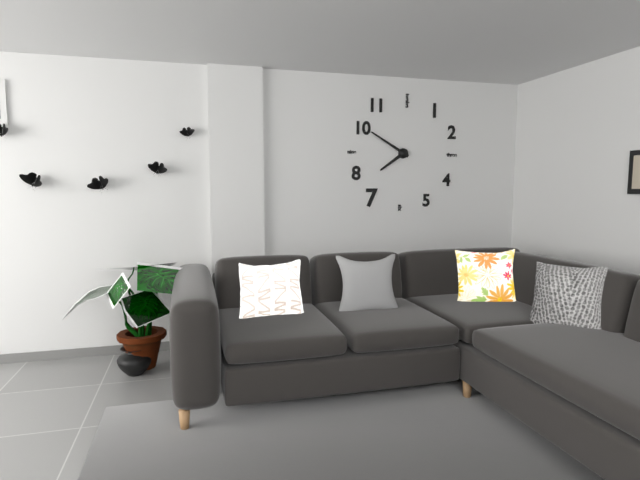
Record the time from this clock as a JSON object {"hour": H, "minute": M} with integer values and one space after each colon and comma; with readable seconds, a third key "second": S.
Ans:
{"hour": 7, "minute": 50}
